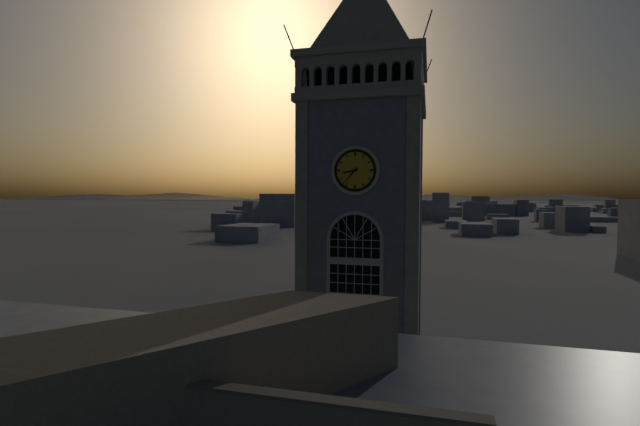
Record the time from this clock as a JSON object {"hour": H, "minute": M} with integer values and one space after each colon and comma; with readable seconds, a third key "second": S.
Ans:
{"hour": 8, "minute": 37}
